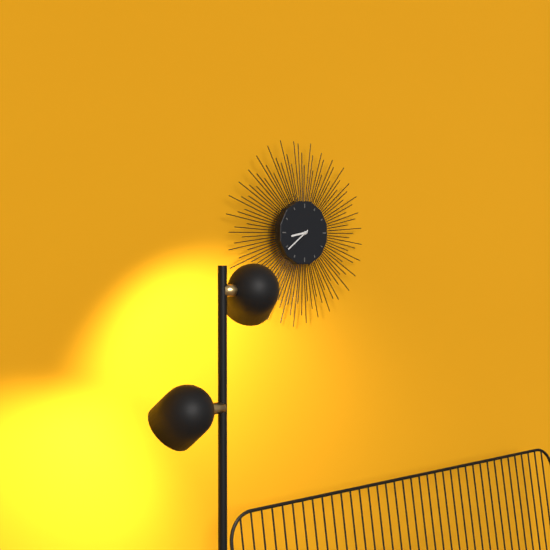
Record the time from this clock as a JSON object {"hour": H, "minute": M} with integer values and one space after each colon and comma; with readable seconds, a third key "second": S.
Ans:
{"hour": 8, "minute": 39}
